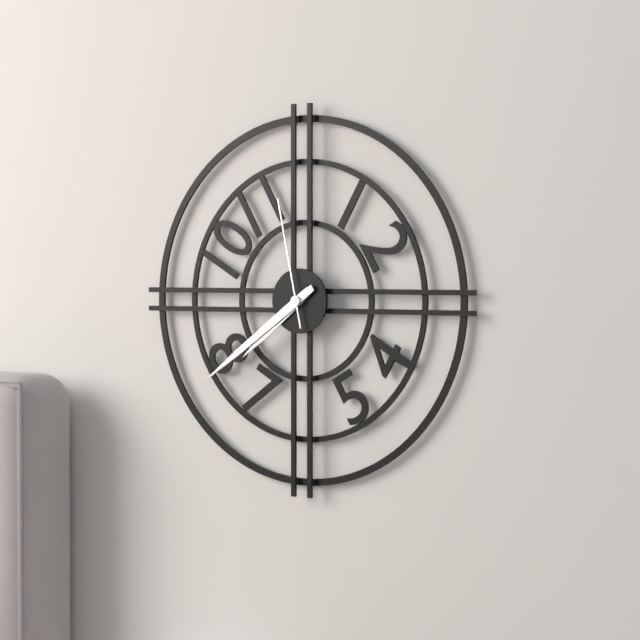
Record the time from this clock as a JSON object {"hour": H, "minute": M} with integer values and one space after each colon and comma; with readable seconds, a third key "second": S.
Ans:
{"hour": 7, "minute": 39, "second": 58}
